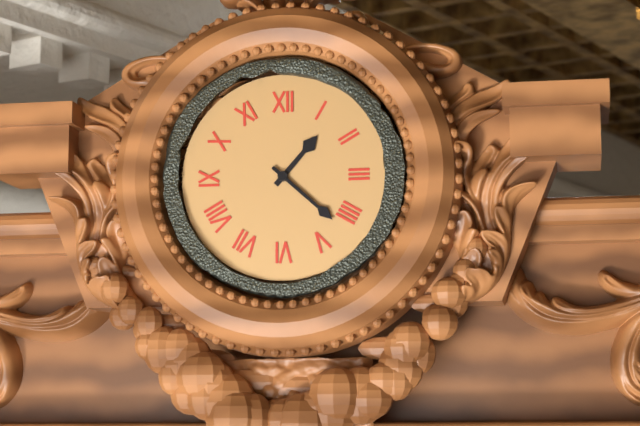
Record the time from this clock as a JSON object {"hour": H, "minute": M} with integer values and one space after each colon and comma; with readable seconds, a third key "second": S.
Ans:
{"hour": 1, "minute": 22}
